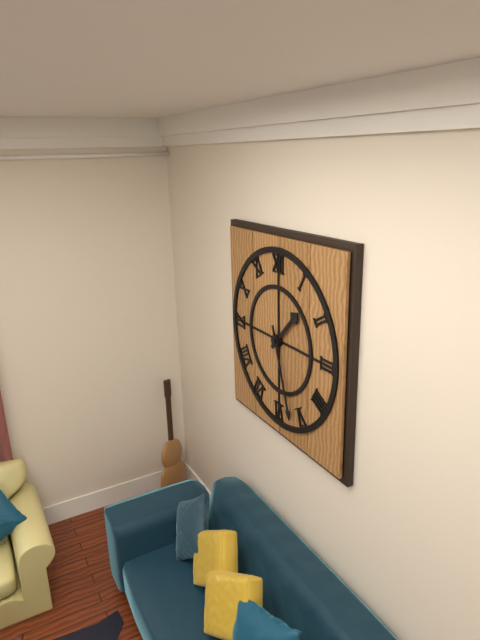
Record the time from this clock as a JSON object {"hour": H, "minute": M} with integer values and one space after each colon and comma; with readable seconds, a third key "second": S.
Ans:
{"hour": 1, "minute": 27}
